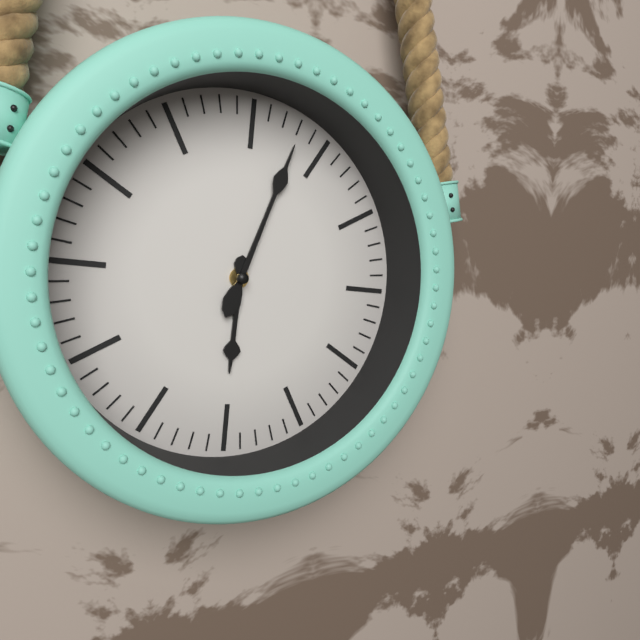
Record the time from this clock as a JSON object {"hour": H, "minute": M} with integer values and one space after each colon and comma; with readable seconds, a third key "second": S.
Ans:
{"hour": 6, "minute": 3}
